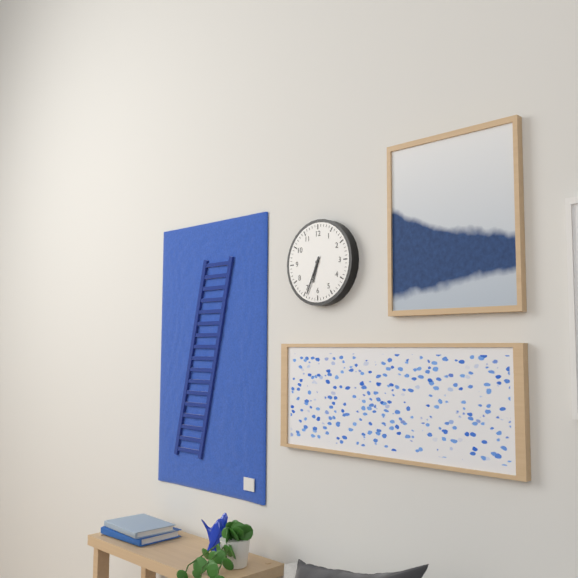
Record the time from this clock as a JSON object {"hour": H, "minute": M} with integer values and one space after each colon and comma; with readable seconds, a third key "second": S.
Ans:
{"hour": 6, "minute": 34}
